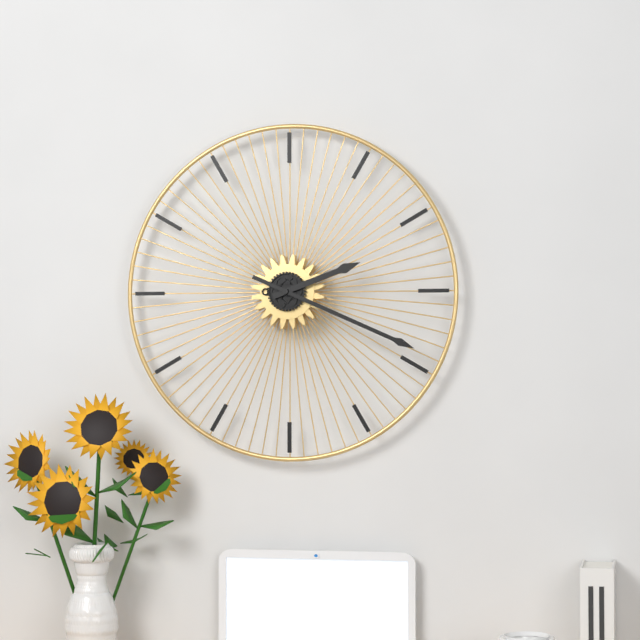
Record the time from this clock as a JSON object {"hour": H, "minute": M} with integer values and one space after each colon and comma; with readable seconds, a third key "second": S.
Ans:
{"hour": 2, "minute": 19}
